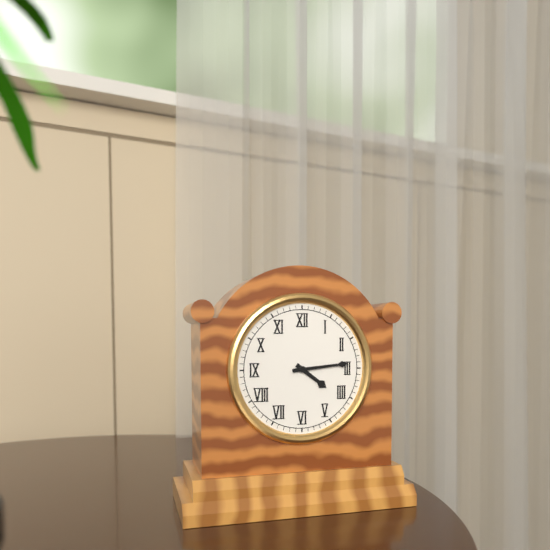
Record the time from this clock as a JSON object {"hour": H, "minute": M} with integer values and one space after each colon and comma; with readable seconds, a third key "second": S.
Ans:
{"hour": 4, "minute": 14}
